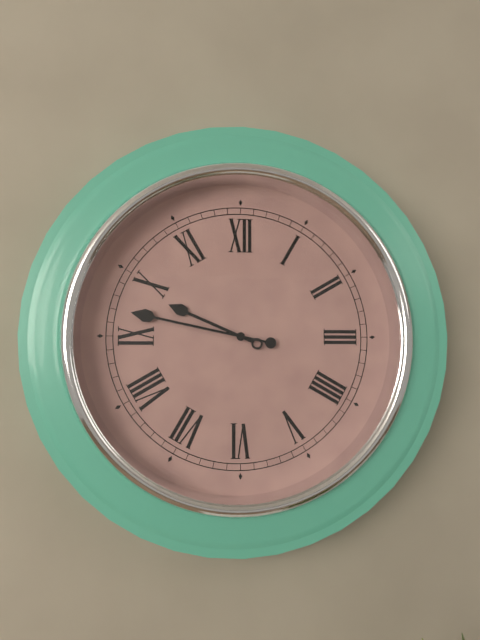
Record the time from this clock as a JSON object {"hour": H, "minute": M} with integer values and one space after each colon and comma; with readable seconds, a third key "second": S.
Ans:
{"hour": 9, "minute": 47}
